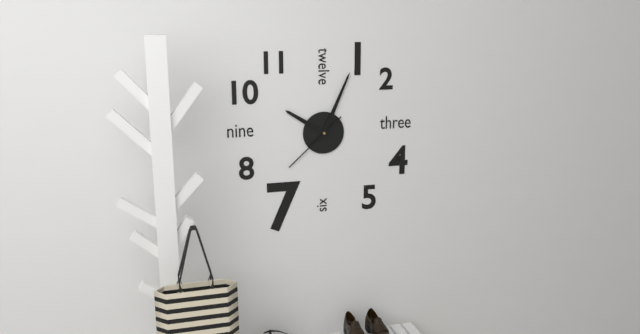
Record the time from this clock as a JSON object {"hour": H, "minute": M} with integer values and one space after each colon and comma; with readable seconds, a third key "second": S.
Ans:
{"hour": 10, "minute": 4, "second": 38}
